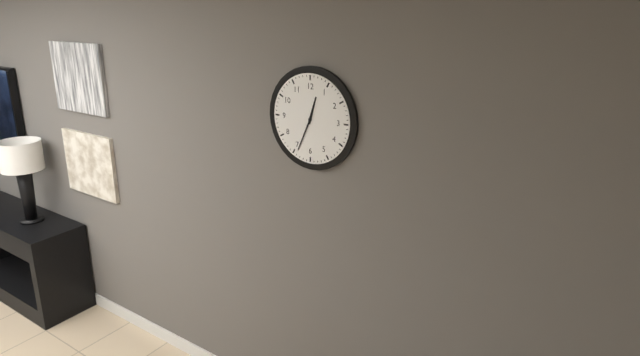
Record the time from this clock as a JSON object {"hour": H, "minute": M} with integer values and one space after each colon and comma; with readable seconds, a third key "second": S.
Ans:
{"hour": 12, "minute": 34}
